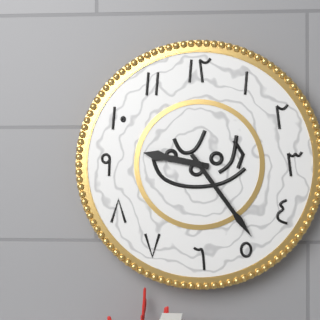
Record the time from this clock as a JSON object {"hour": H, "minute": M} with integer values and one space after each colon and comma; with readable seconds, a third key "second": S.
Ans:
{"hour": 9, "minute": 24}
